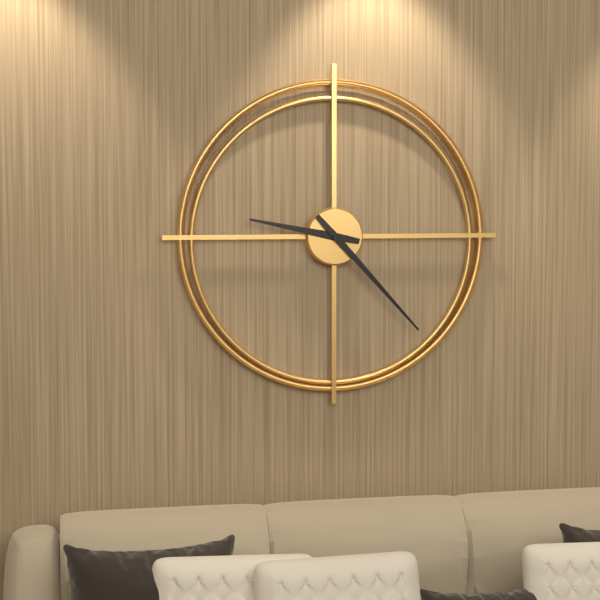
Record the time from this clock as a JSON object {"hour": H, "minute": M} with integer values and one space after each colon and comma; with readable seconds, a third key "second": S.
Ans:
{"hour": 9, "minute": 23}
